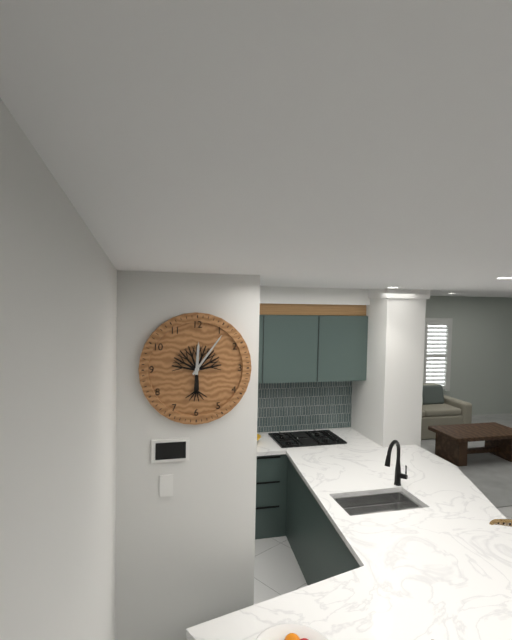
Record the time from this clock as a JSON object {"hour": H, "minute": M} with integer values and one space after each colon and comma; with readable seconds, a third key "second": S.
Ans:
{"hour": 12, "minute": 6}
